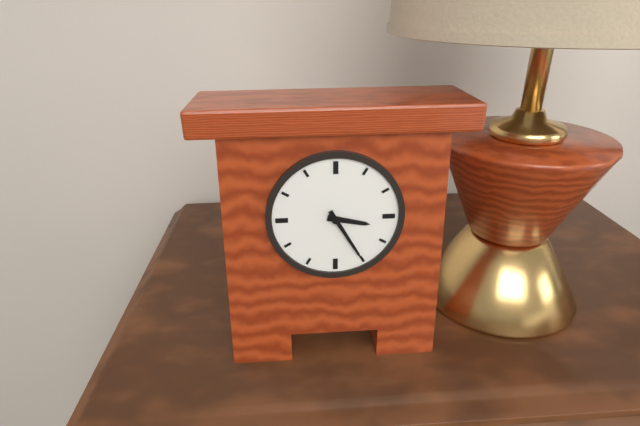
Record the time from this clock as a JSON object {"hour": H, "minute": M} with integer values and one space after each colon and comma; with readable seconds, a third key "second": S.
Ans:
{"hour": 3, "minute": 25}
